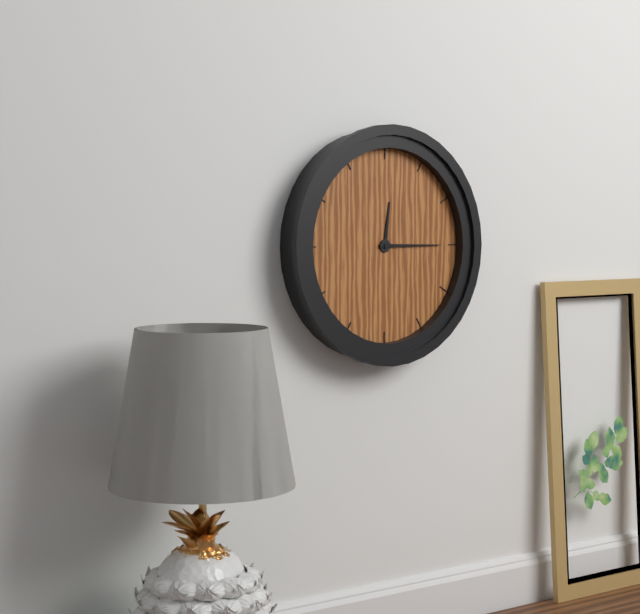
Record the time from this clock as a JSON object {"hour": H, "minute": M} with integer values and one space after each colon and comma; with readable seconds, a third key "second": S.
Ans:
{"hour": 12, "minute": 15}
